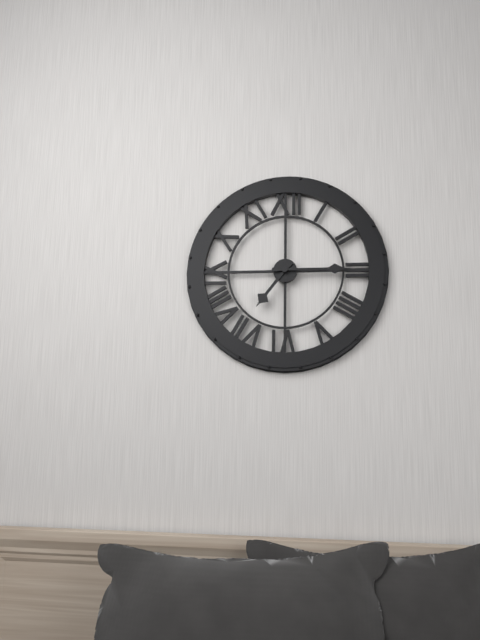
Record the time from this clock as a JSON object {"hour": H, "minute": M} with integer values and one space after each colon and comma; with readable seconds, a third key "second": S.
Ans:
{"hour": 7, "minute": 15}
